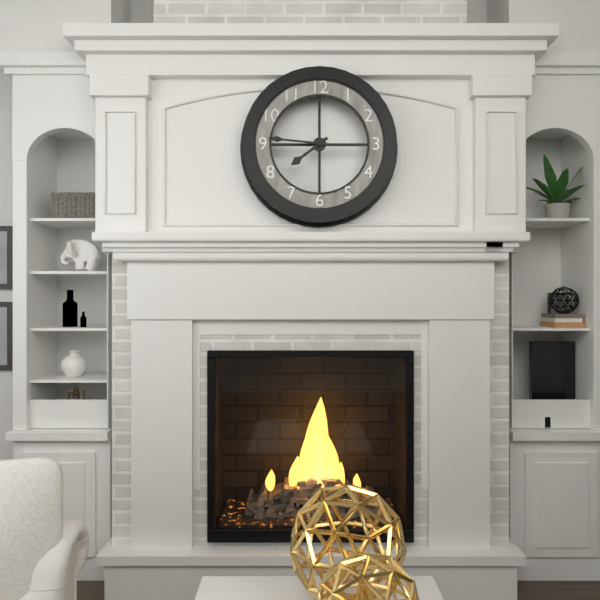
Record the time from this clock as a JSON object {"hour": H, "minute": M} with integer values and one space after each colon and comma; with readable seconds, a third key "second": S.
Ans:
{"hour": 7, "minute": 46}
